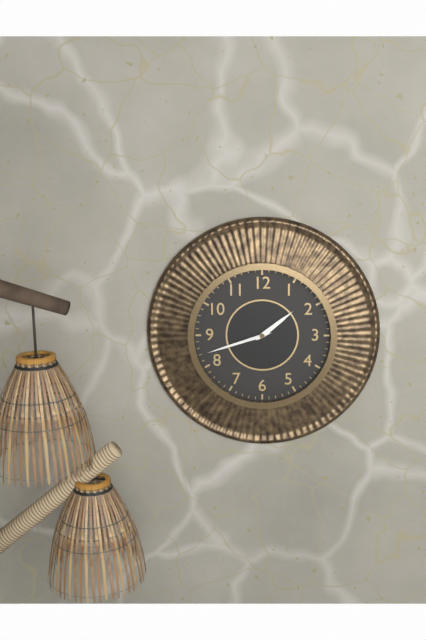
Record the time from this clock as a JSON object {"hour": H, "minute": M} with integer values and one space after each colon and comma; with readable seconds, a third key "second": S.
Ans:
{"hour": 1, "minute": 42}
